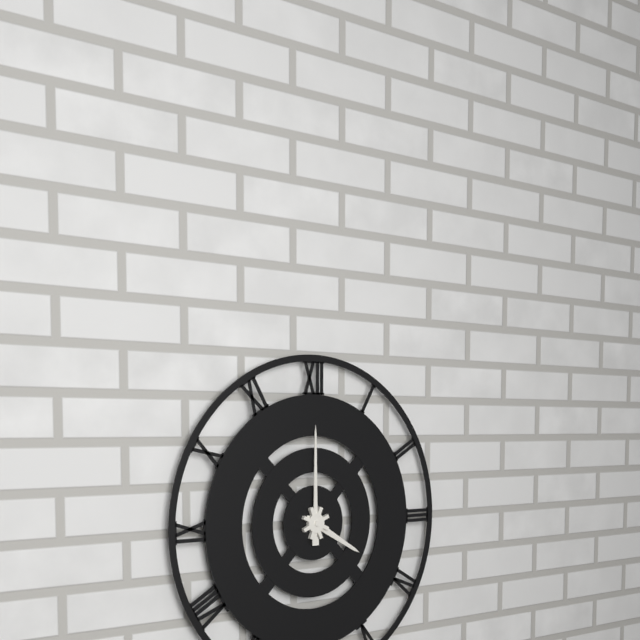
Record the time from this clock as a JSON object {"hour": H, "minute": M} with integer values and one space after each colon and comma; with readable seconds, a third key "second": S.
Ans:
{"hour": 4, "minute": 0}
